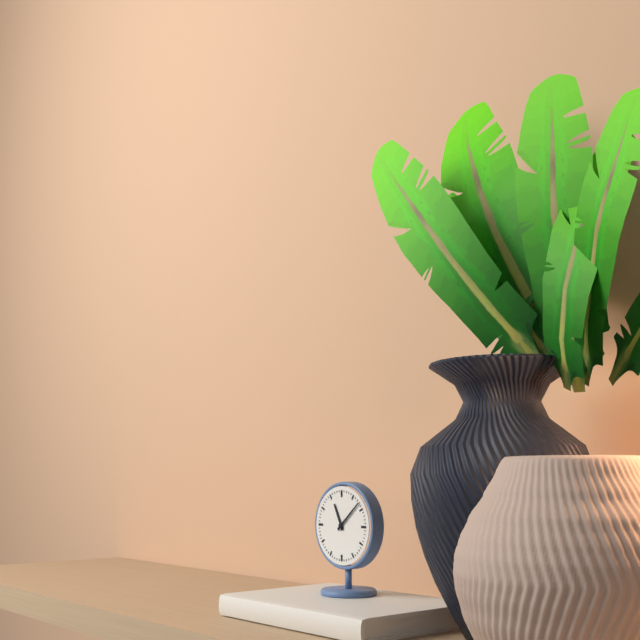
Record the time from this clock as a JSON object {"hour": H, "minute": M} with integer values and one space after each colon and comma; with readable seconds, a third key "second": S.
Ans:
{"hour": 11, "minute": 8}
